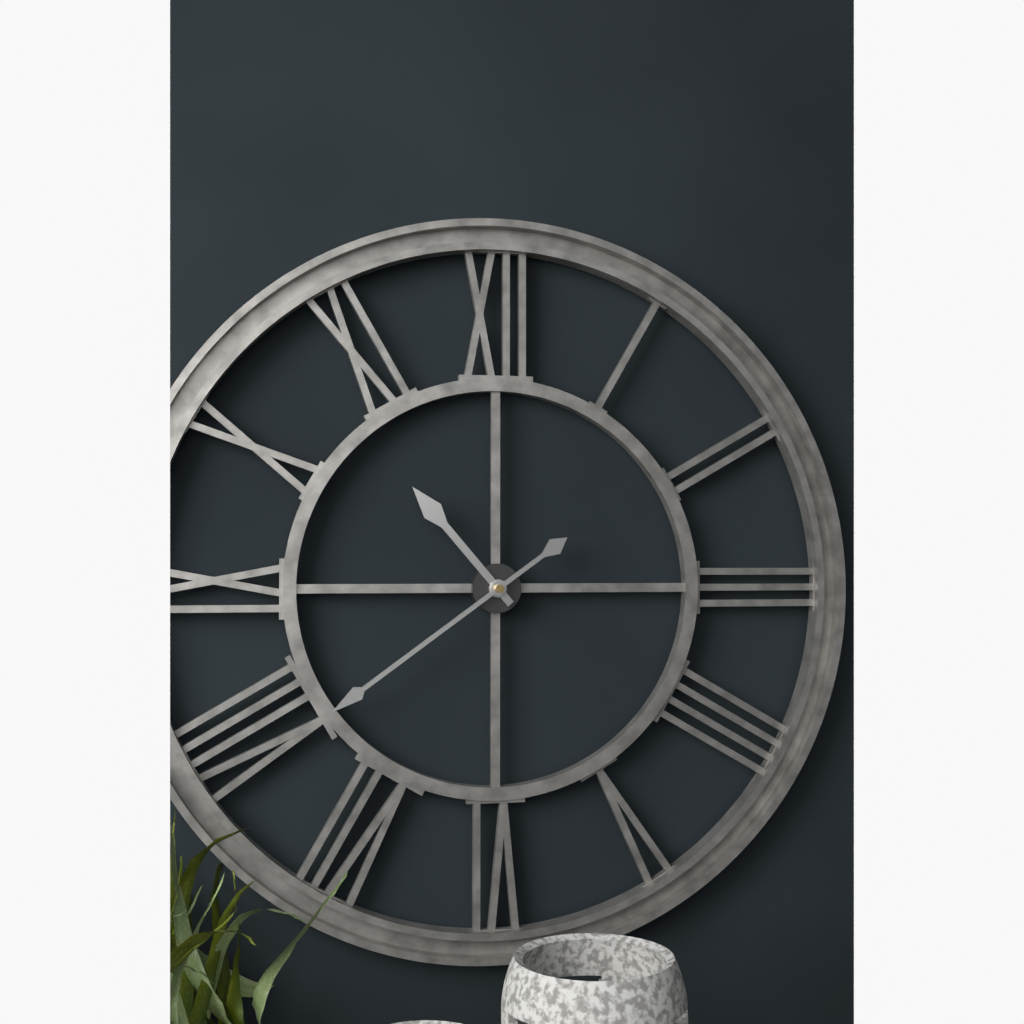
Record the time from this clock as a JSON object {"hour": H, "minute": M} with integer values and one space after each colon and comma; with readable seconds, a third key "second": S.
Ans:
{"hour": 10, "minute": 39}
